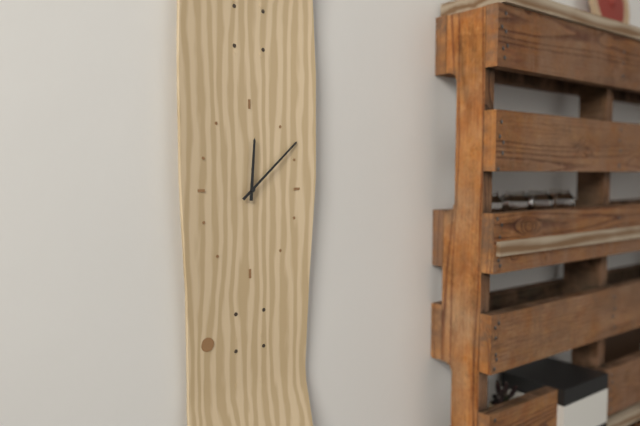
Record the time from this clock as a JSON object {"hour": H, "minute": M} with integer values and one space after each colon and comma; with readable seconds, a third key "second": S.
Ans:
{"hour": 12, "minute": 8}
